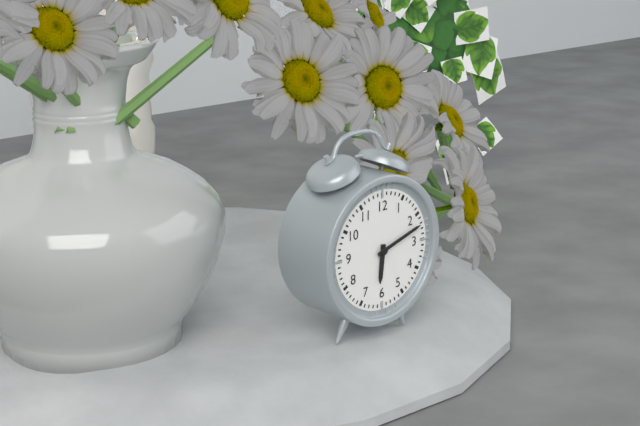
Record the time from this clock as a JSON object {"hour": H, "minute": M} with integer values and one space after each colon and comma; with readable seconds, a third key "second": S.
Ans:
{"hour": 6, "minute": 12}
